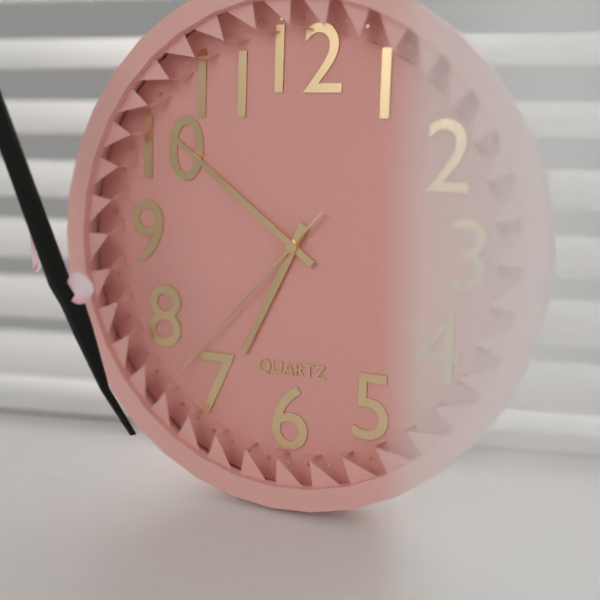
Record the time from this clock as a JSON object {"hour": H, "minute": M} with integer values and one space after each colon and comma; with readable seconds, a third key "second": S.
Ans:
{"hour": 6, "minute": 51, "second": 37}
